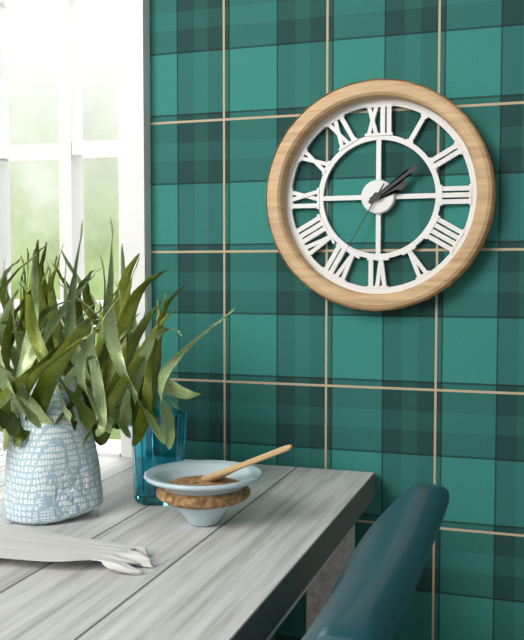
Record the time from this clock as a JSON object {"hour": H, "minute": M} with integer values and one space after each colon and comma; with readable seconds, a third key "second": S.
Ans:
{"hour": 2, "minute": 9, "second": 35}
